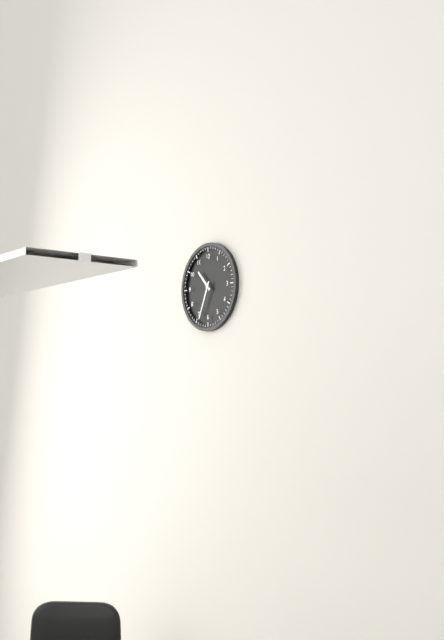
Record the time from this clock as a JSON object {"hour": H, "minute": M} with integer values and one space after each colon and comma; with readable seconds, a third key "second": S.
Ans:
{"hour": 10, "minute": 34}
